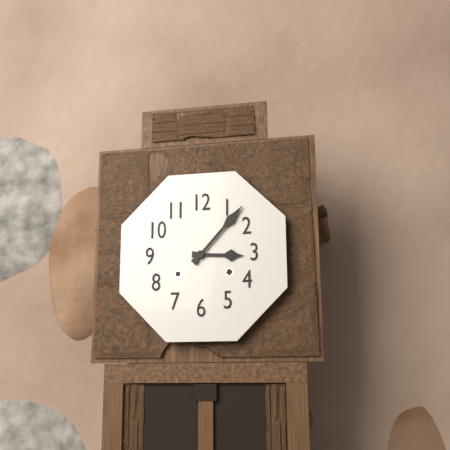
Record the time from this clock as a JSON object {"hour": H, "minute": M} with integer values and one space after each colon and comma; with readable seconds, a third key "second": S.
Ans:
{"hour": 3, "minute": 7}
